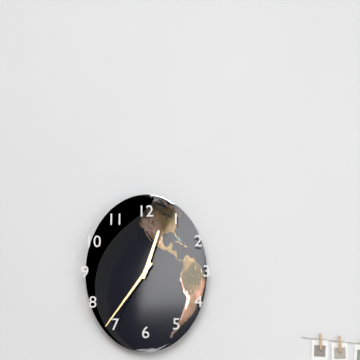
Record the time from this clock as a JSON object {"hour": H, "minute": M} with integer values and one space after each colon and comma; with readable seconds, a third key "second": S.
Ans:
{"hour": 12, "minute": 36}
